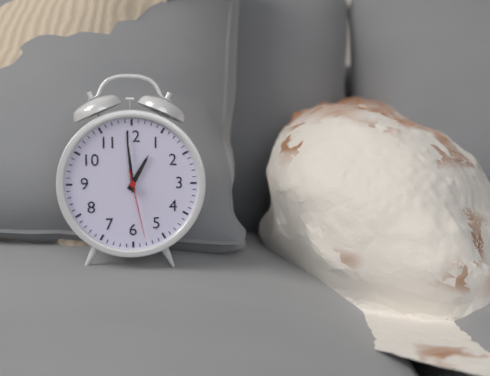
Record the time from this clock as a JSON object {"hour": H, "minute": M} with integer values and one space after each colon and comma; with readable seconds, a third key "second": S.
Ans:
{"hour": 12, "minute": 59, "second": 28}
